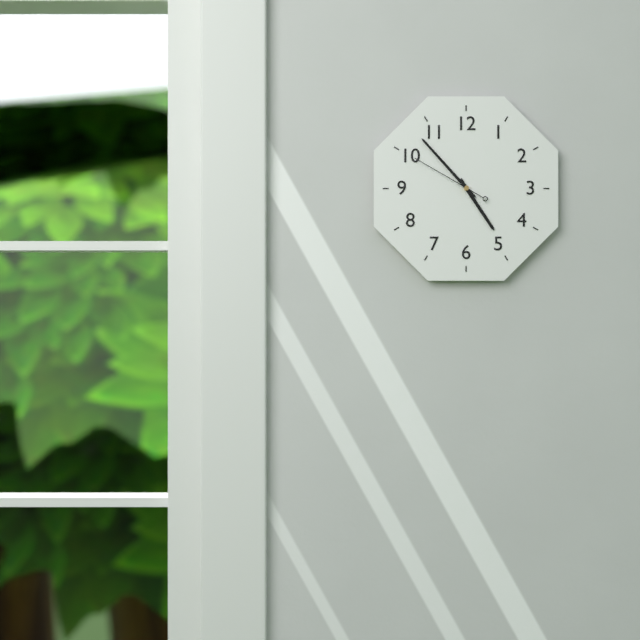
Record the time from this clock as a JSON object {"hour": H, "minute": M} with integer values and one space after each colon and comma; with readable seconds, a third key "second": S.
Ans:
{"hour": 4, "minute": 53, "second": 50}
